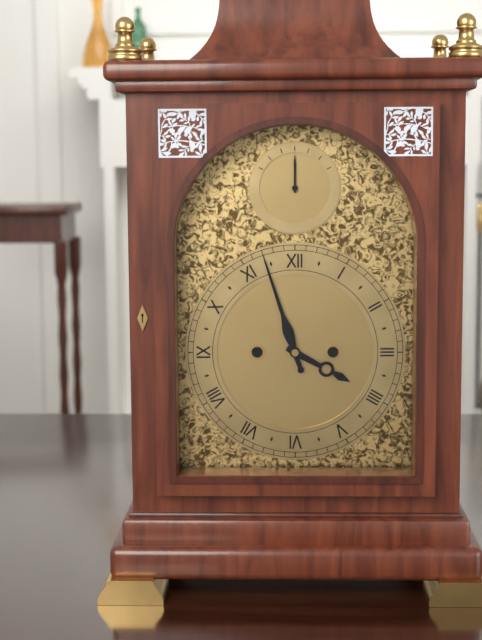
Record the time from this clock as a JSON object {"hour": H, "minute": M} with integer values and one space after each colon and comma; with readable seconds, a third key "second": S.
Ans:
{"hour": 3, "minute": 57}
